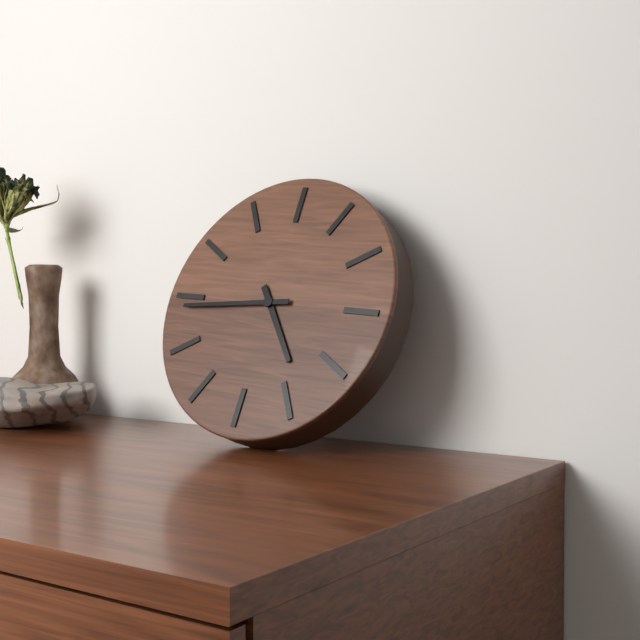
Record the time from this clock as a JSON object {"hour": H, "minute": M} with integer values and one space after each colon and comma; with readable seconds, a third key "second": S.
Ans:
{"hour": 4, "minute": 44}
